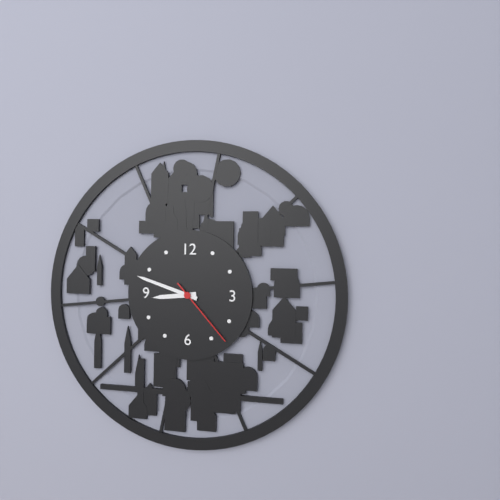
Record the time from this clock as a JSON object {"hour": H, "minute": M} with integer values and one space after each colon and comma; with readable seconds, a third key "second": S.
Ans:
{"hour": 8, "minute": 48, "second": 23}
